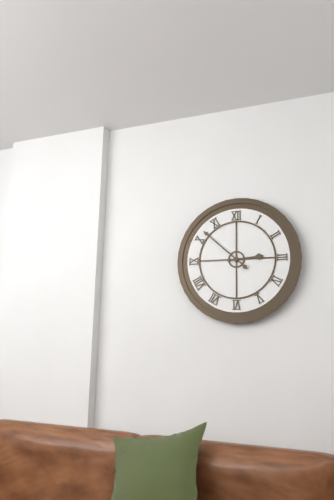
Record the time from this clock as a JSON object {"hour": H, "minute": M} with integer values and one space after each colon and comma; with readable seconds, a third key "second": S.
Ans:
{"hour": 2, "minute": 52}
